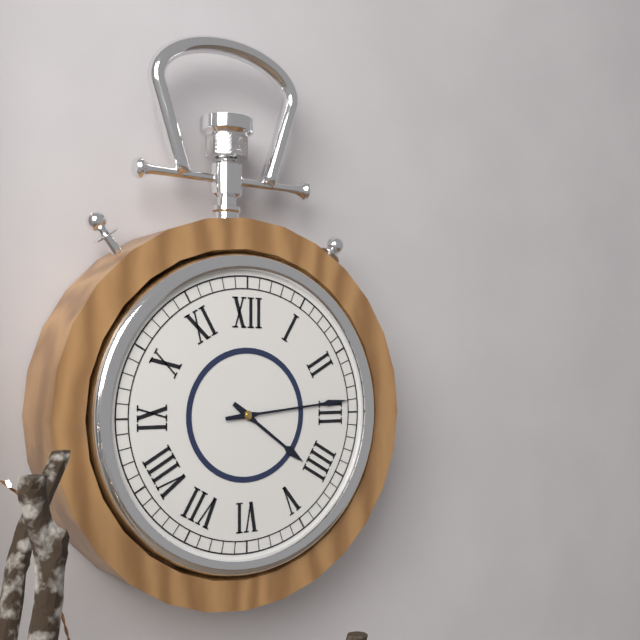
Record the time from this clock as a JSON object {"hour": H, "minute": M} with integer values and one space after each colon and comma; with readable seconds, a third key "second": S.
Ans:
{"hour": 4, "minute": 14}
